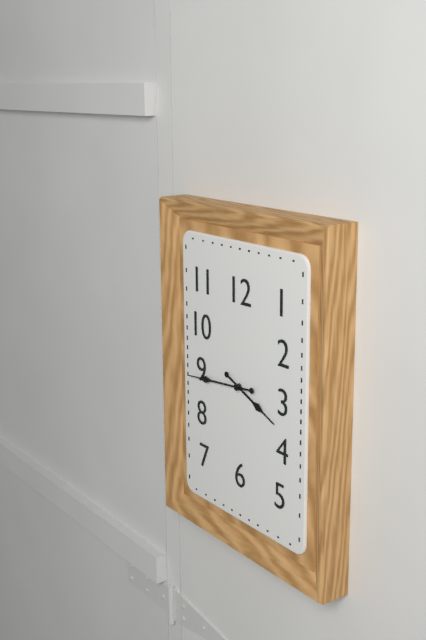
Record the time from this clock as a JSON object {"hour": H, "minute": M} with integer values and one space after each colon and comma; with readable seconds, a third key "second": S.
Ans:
{"hour": 3, "minute": 44}
